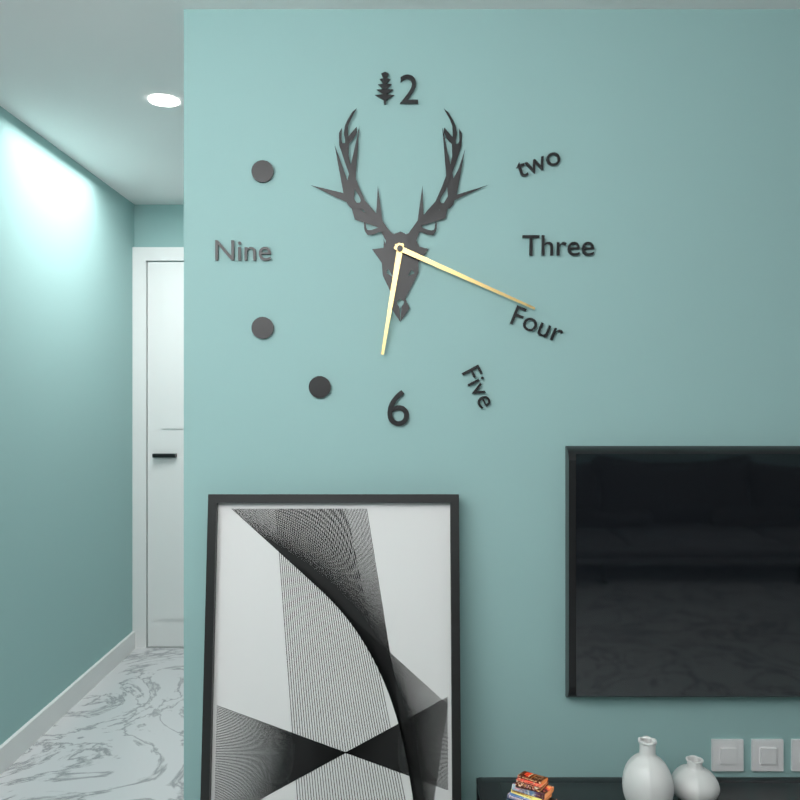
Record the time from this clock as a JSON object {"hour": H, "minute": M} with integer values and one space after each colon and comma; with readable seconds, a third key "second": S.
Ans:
{"hour": 6, "minute": 19}
